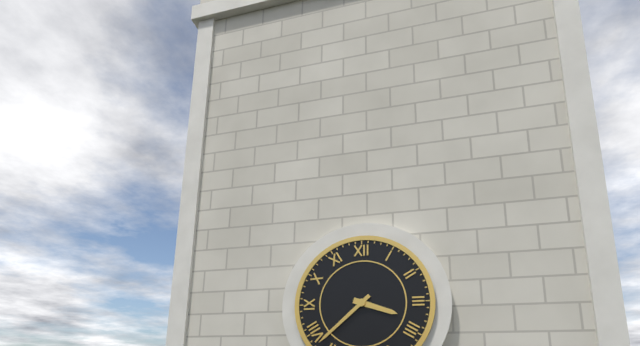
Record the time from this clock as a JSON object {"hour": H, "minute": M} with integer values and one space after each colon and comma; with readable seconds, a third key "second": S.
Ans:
{"hour": 3, "minute": 38}
